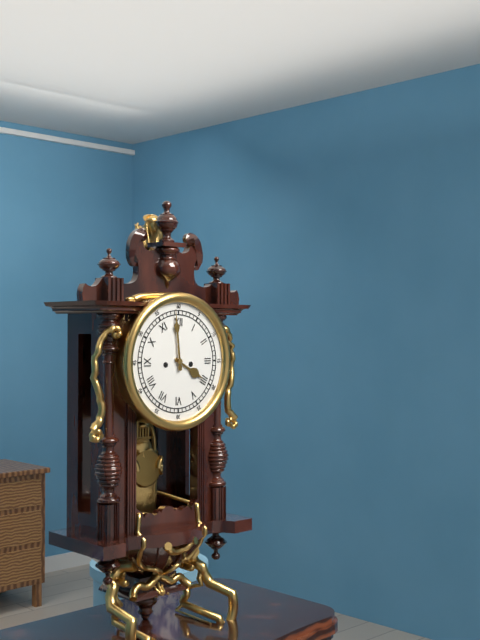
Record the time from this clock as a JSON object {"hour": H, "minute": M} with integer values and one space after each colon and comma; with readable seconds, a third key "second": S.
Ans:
{"hour": 3, "minute": 59}
